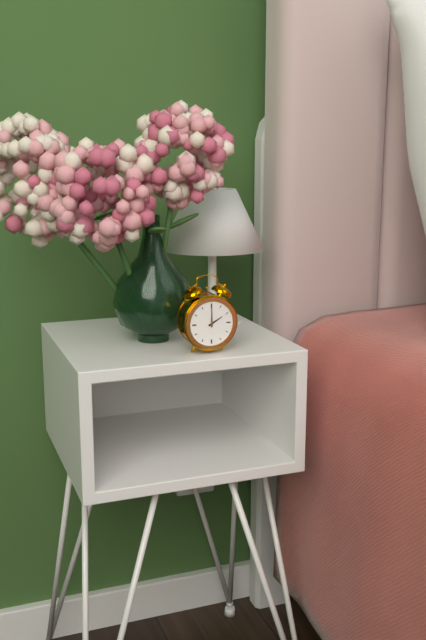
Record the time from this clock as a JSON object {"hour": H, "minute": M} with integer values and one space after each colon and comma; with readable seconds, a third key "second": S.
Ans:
{"hour": 2, "minute": 0}
